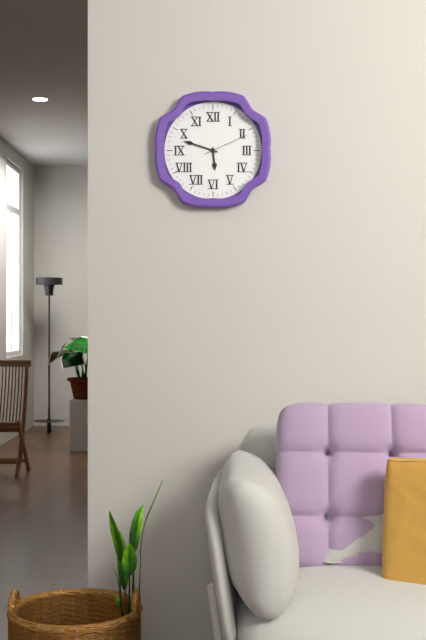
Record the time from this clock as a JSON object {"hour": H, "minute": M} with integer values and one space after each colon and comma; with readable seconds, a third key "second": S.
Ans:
{"hour": 5, "minute": 48}
